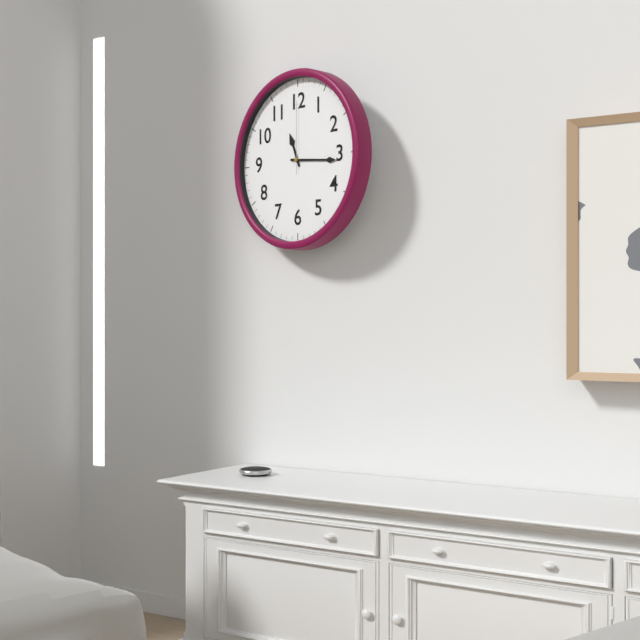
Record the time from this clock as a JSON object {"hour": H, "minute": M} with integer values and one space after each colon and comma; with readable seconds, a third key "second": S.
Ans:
{"hour": 11, "minute": 16, "second": 0}
